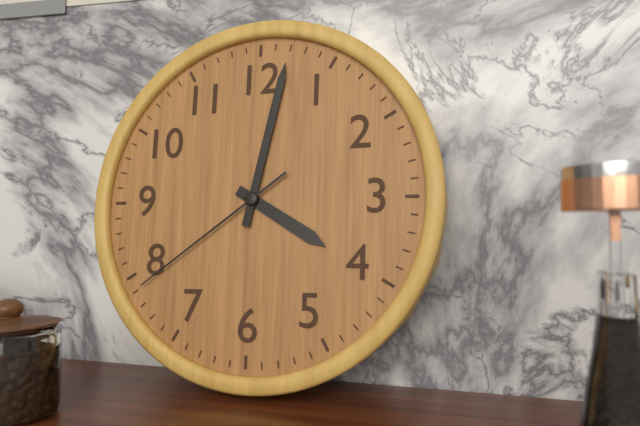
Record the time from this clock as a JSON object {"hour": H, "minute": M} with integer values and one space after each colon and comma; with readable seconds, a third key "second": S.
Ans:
{"hour": 4, "minute": 2, "second": 39}
